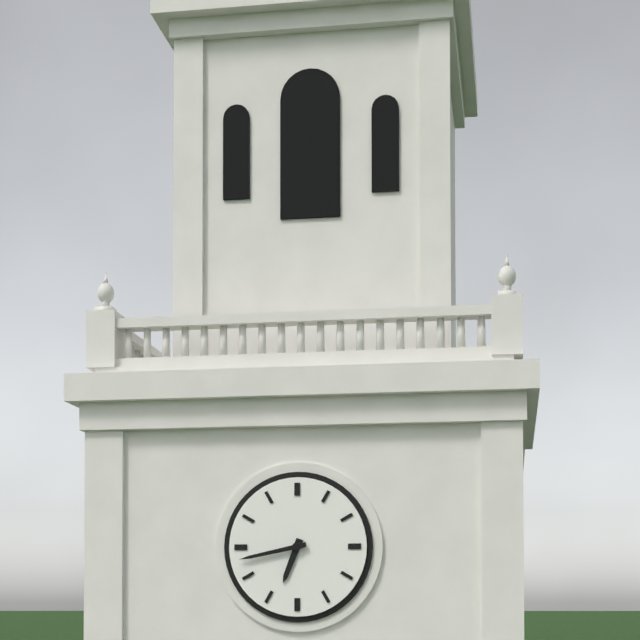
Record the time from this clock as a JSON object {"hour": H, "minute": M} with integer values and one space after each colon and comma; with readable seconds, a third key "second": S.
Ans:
{"hour": 6, "minute": 43}
